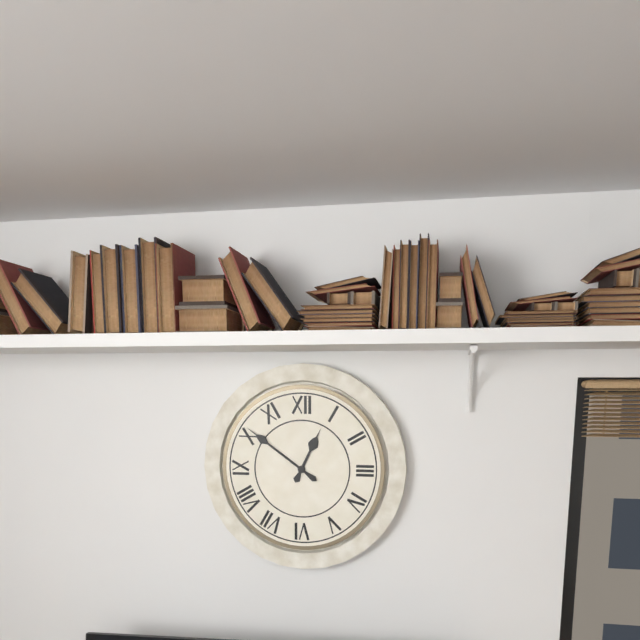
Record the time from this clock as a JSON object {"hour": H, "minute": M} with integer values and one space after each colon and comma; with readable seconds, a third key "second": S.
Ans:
{"hour": 12, "minute": 51}
